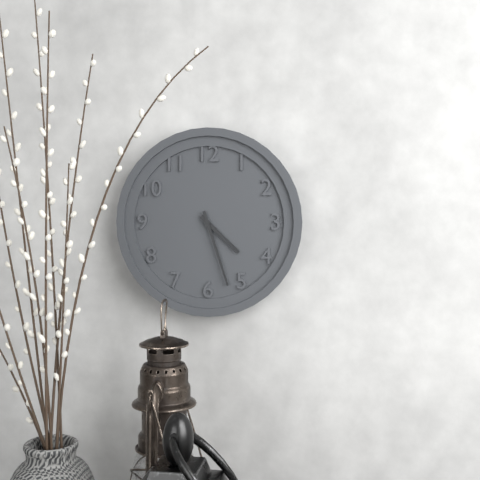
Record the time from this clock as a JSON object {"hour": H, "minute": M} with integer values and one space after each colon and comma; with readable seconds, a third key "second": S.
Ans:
{"hour": 4, "minute": 27}
